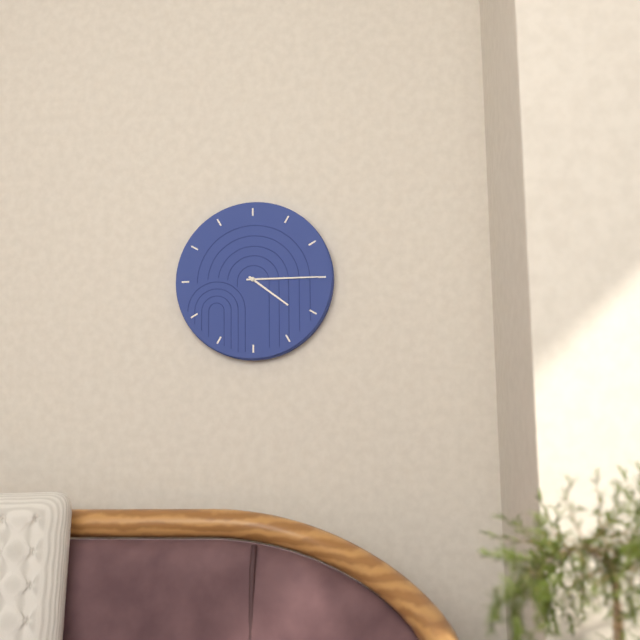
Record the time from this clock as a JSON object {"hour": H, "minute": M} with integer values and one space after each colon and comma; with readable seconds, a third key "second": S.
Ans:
{"hour": 4, "minute": 15}
